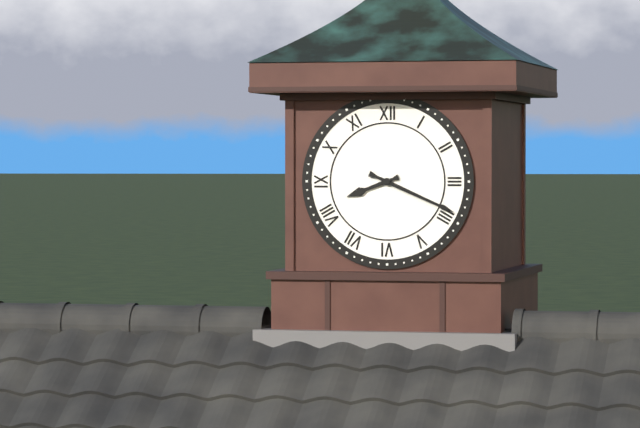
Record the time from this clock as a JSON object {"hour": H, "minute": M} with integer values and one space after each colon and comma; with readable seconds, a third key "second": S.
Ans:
{"hour": 8, "minute": 19}
